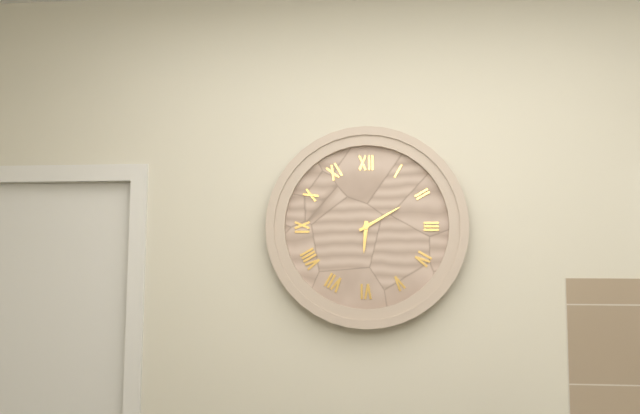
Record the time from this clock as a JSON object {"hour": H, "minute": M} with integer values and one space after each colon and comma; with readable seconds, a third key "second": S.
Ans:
{"hour": 6, "minute": 10}
